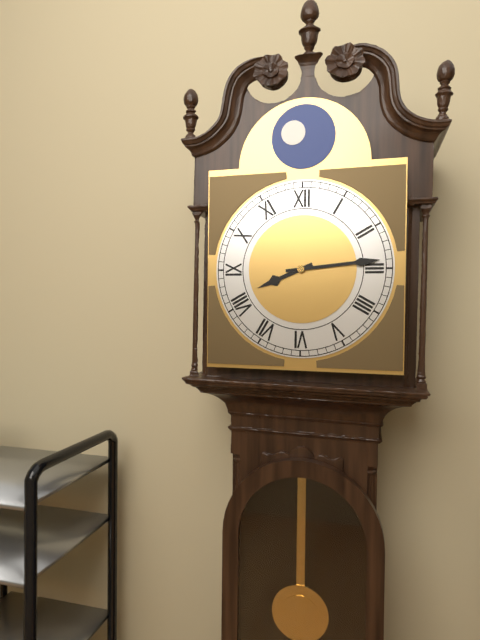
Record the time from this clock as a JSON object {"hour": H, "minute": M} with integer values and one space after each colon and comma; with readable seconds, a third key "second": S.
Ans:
{"hour": 8, "minute": 14}
